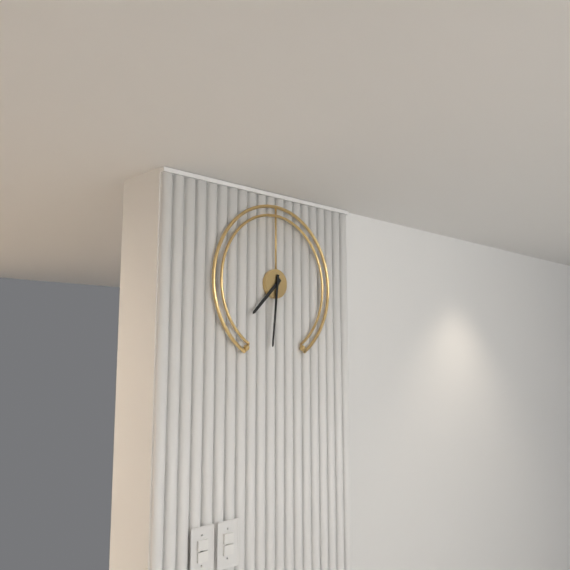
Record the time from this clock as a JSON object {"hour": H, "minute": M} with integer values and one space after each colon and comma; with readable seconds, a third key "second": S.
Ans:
{"hour": 7, "minute": 31}
